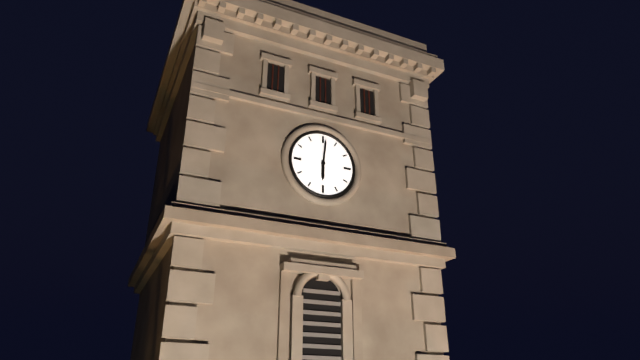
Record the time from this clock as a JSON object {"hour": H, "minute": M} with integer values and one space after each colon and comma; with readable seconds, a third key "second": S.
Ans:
{"hour": 6, "minute": 1}
